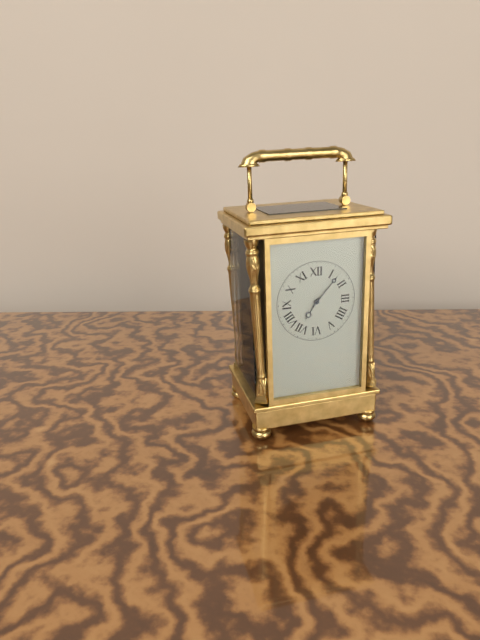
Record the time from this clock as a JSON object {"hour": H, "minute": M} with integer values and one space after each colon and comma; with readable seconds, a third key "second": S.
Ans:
{"hour": 7, "minute": 7}
